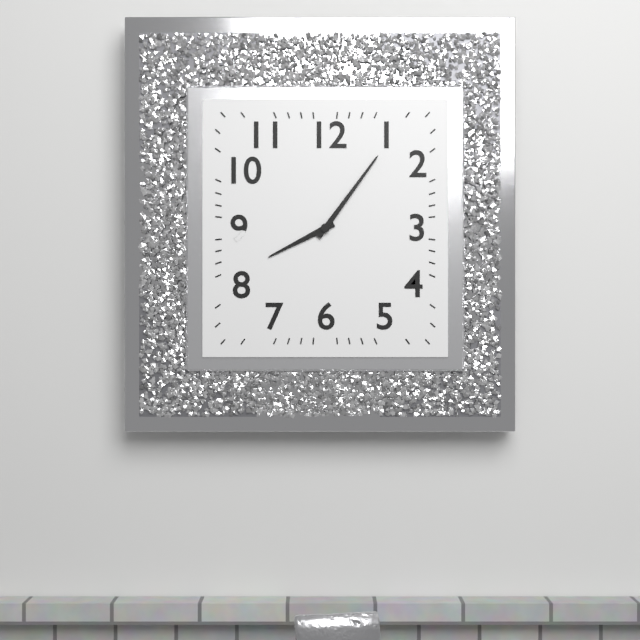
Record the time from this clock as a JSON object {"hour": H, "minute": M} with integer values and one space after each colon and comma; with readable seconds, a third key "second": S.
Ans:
{"hour": 8, "minute": 6}
